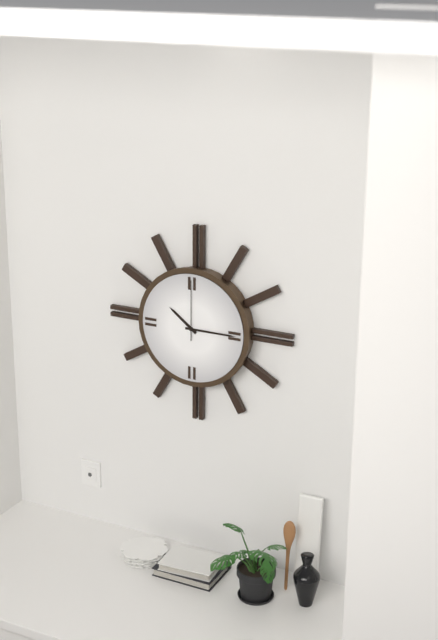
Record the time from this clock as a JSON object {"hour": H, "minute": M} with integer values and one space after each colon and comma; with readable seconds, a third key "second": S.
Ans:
{"hour": 10, "minute": 15, "second": 0}
